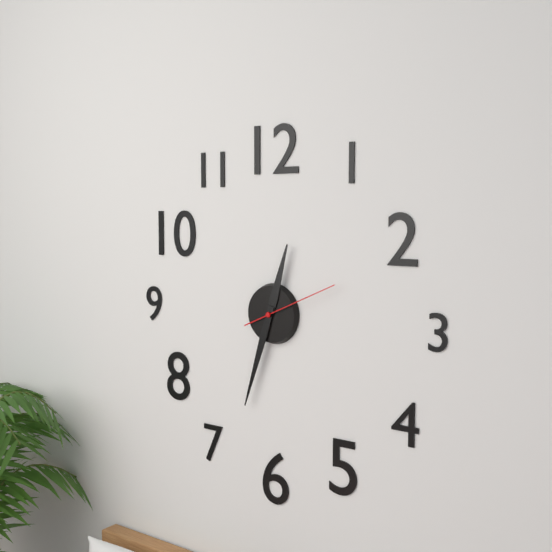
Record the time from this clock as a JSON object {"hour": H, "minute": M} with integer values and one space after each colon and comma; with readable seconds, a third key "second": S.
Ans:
{"hour": 12, "minute": 33, "second": 11}
